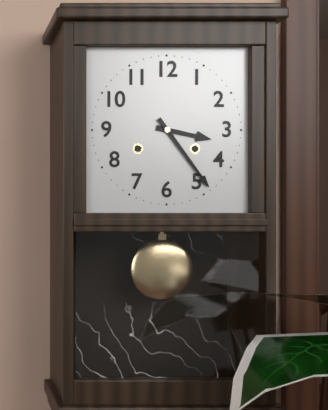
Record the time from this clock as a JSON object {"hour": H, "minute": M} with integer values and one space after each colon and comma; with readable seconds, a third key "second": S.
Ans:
{"hour": 3, "minute": 24}
